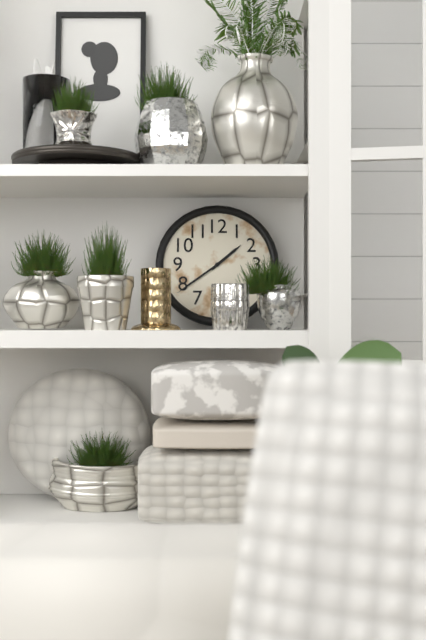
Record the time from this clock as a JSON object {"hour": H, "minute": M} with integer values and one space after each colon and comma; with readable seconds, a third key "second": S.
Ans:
{"hour": 1, "minute": 39}
